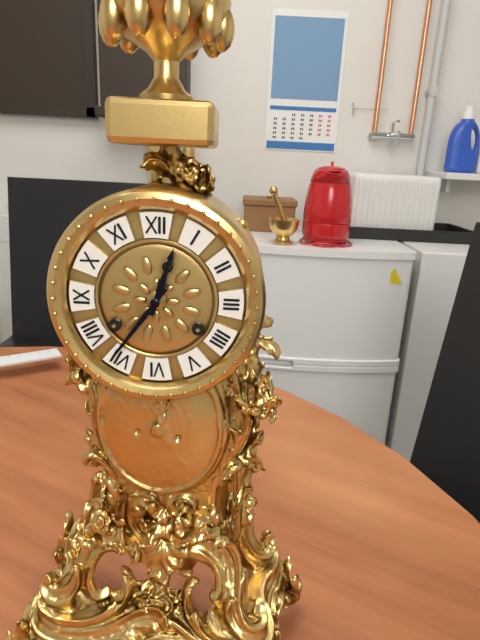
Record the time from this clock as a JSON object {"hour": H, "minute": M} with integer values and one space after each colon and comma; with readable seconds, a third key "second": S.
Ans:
{"hour": 12, "minute": 36}
